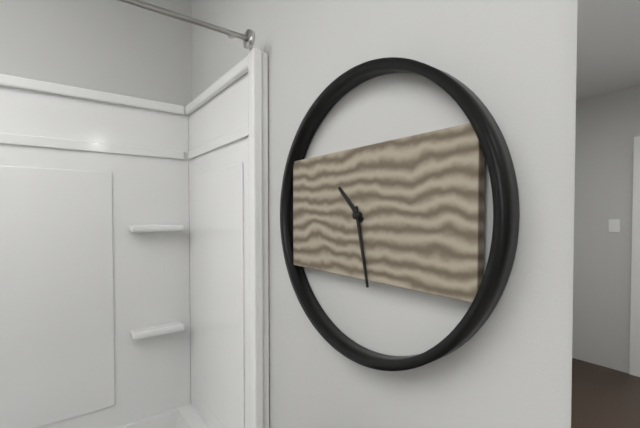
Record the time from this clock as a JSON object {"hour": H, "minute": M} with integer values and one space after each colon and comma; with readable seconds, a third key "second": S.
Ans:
{"hour": 10, "minute": 28}
